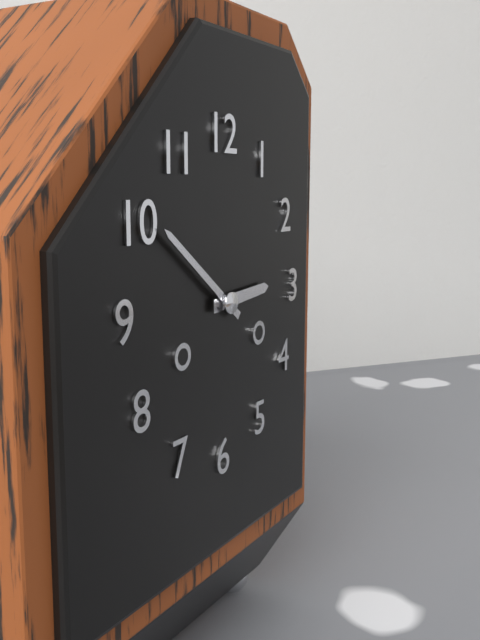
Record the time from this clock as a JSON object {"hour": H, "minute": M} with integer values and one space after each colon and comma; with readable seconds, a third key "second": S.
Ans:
{"hour": 2, "minute": 51}
